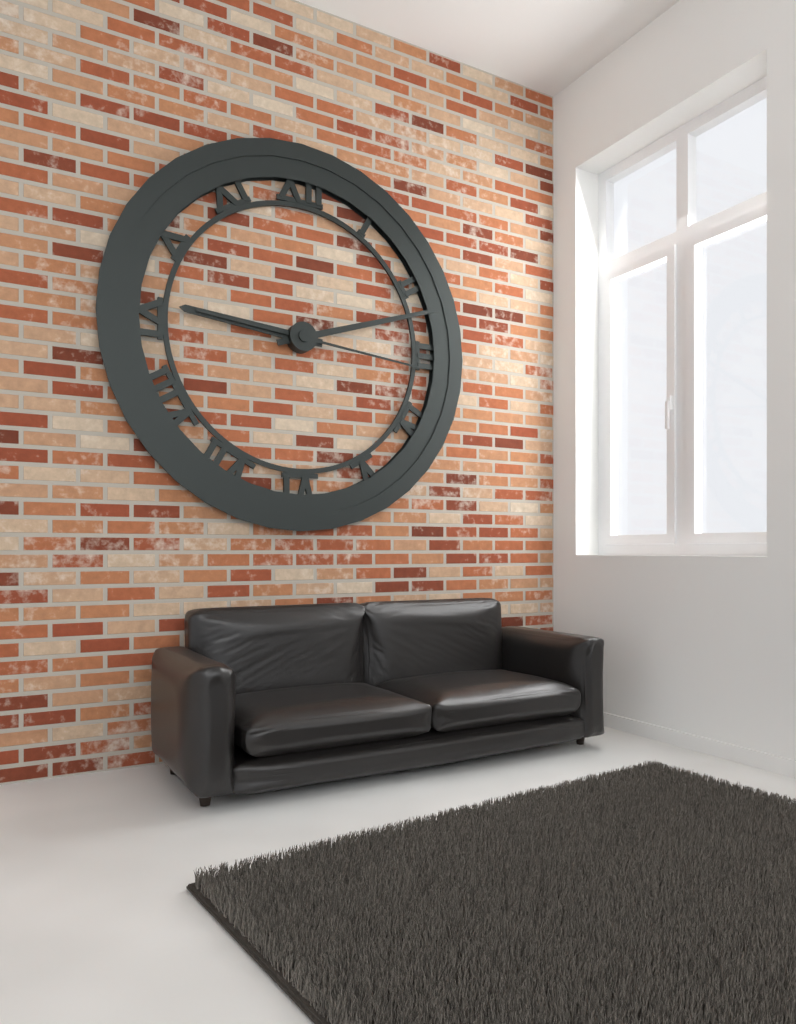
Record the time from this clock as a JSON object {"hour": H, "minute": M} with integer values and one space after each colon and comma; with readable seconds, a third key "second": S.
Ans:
{"hour": 9, "minute": 12, "second": 16}
